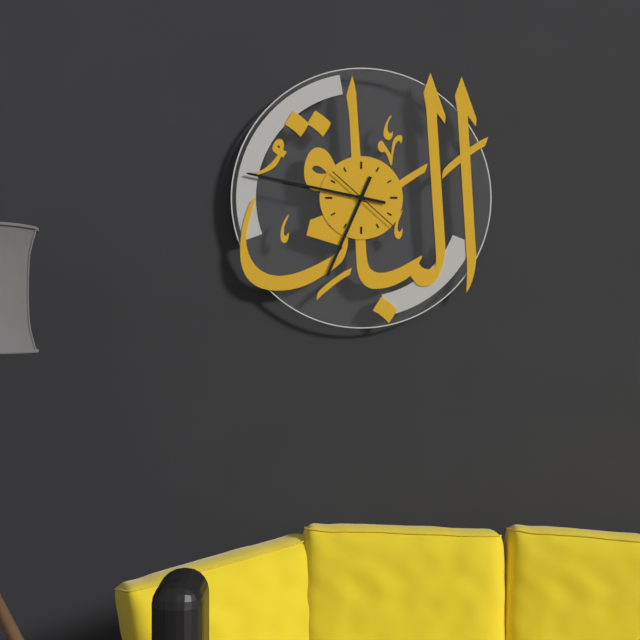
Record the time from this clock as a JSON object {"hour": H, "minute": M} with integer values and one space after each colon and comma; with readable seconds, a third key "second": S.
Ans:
{"hour": 6, "minute": 47, "second": 22}
